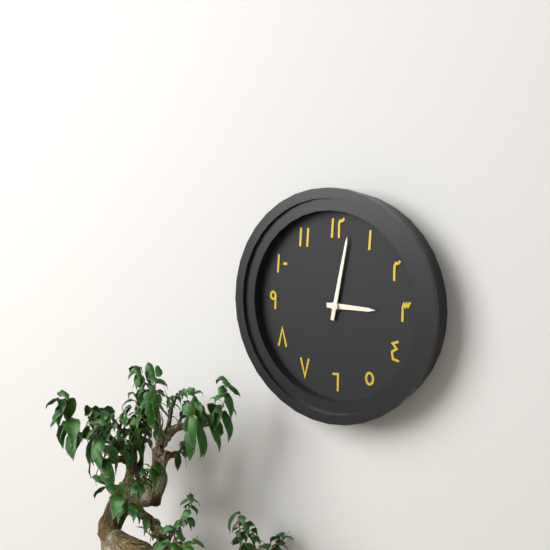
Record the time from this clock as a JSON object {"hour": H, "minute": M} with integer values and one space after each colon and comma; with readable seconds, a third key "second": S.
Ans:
{"hour": 3, "minute": 2}
